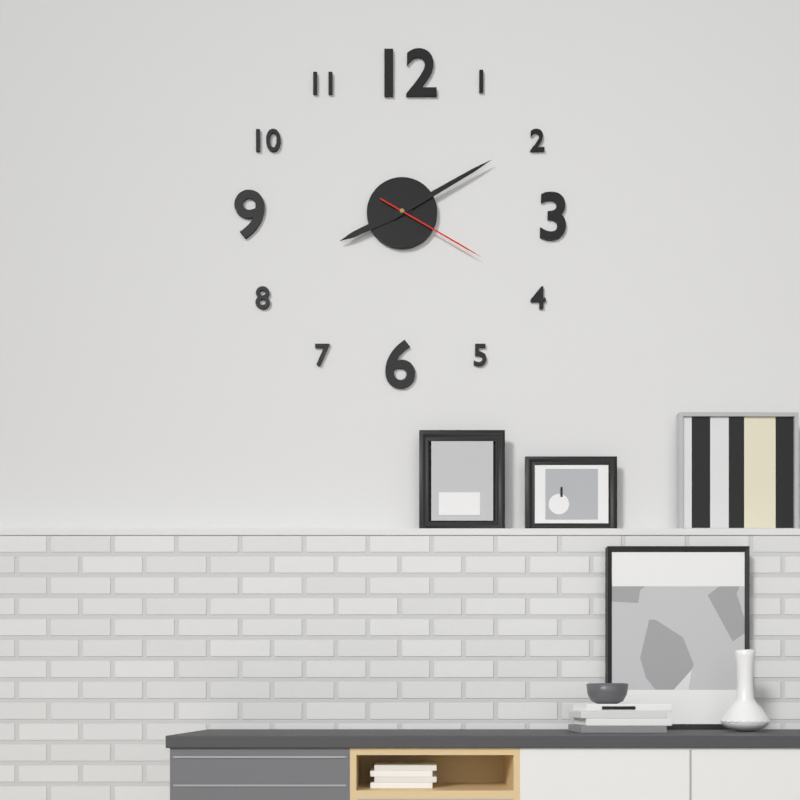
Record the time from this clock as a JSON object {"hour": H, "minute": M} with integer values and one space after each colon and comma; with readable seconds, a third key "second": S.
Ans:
{"hour": 8, "minute": 10, "second": 20}
